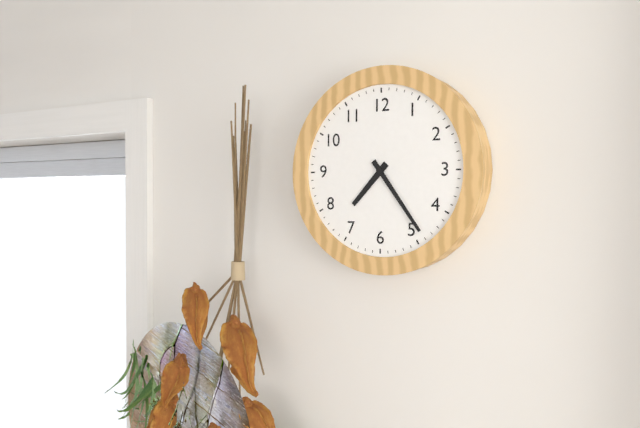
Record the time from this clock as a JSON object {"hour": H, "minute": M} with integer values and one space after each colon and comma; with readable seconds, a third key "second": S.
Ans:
{"hour": 7, "minute": 24}
